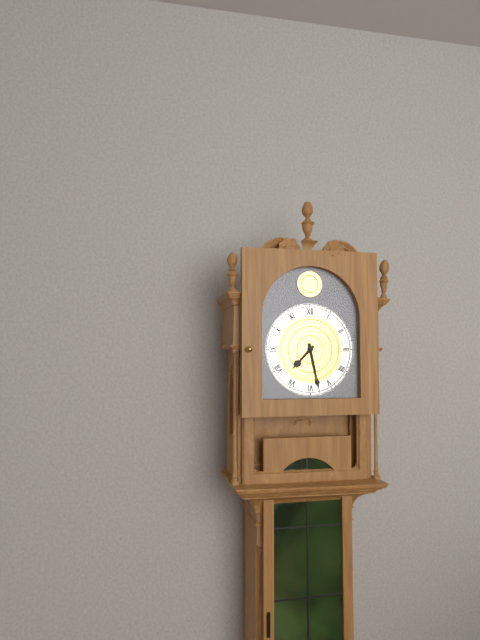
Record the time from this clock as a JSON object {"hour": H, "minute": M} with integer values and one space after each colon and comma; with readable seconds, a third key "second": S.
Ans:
{"hour": 7, "minute": 28}
